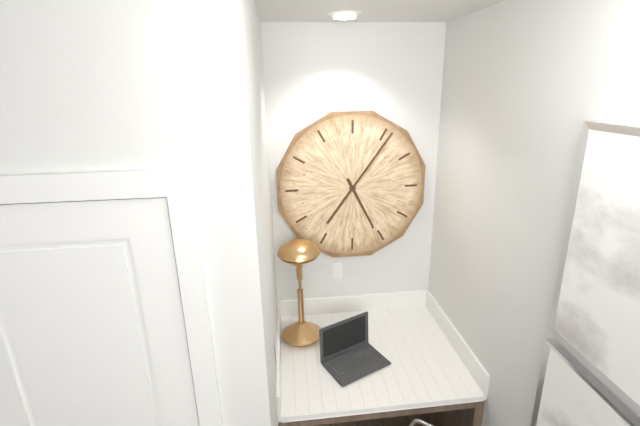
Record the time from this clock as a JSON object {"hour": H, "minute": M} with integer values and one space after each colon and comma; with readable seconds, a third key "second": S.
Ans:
{"hour": 5, "minute": 6}
